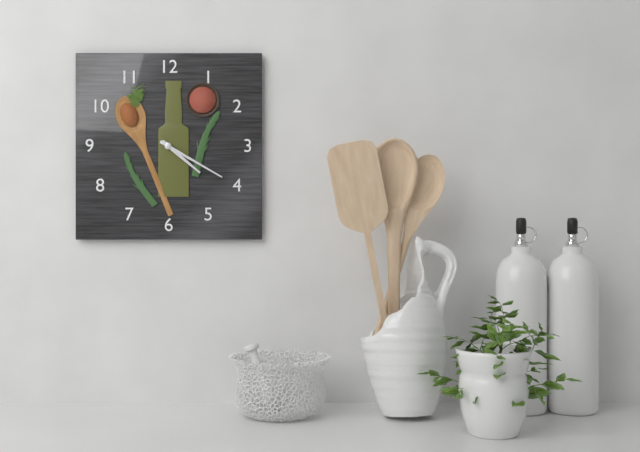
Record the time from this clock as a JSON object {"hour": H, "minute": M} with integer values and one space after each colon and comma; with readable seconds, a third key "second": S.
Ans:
{"hour": 4, "minute": 20}
